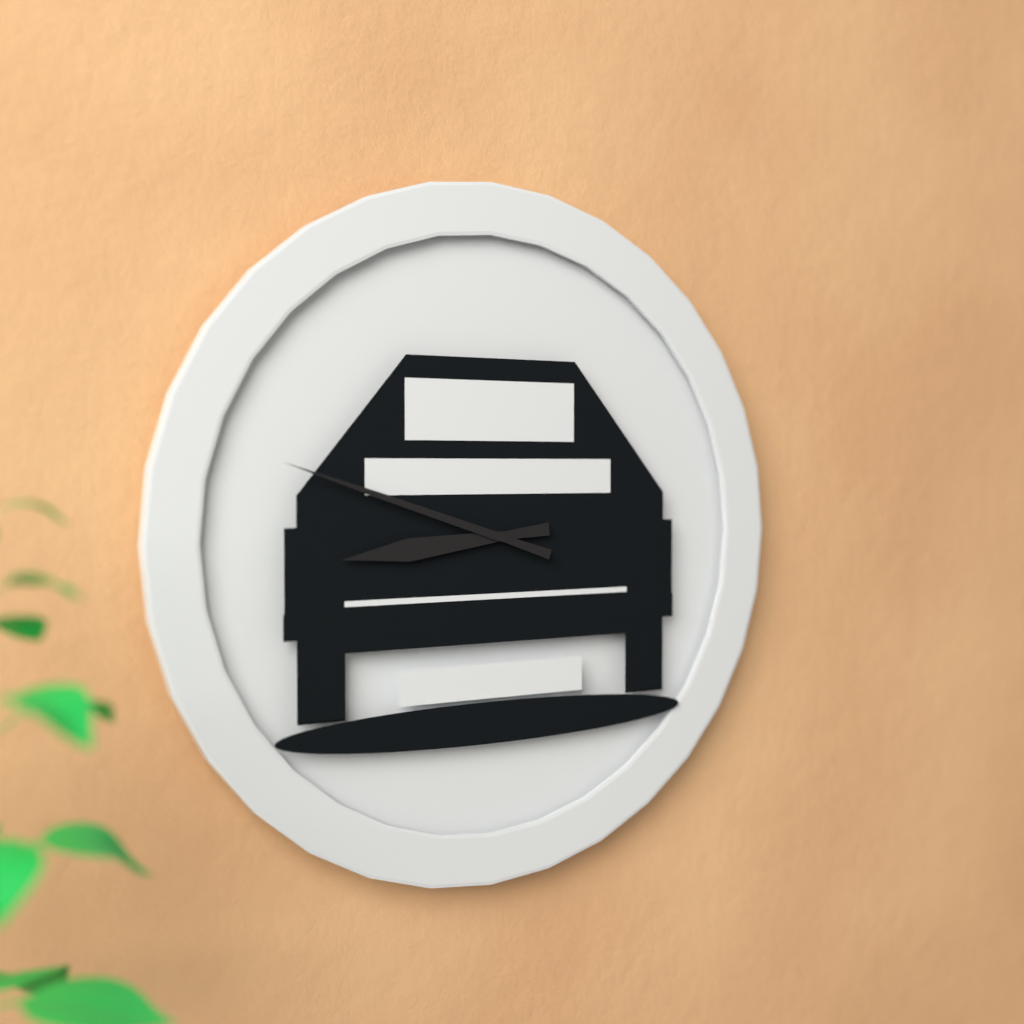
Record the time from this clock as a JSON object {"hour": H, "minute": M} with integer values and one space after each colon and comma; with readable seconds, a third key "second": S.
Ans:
{"hour": 8, "minute": 48}
